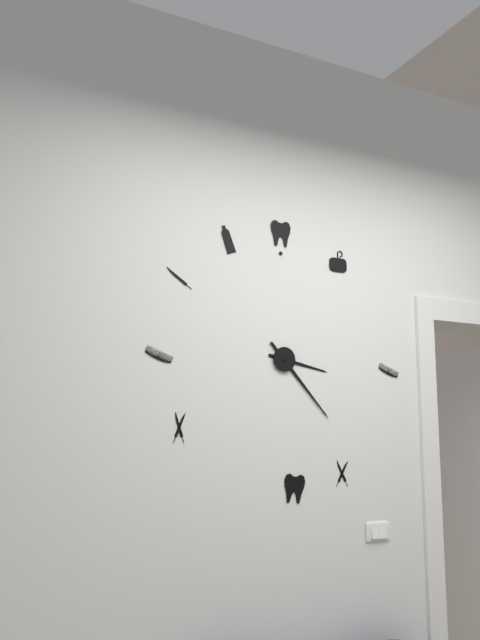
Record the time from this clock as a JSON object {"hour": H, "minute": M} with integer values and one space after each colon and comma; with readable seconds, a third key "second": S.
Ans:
{"hour": 3, "minute": 23}
